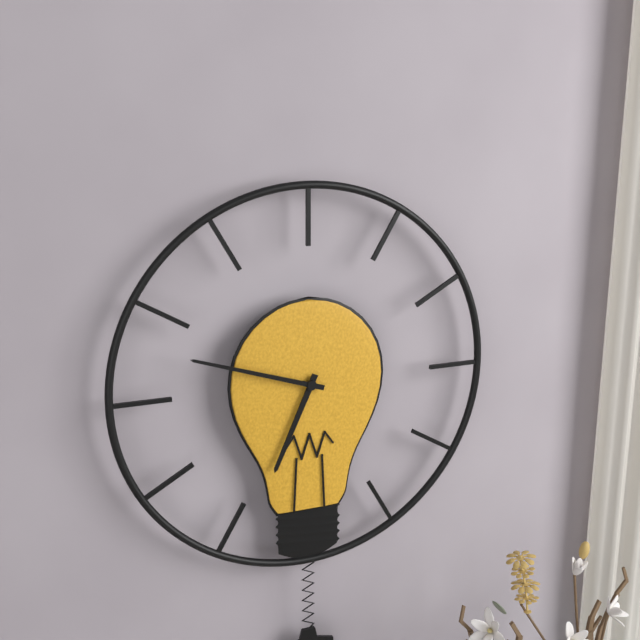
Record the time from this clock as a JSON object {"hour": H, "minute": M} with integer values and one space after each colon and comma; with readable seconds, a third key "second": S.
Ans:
{"hour": 6, "minute": 48}
